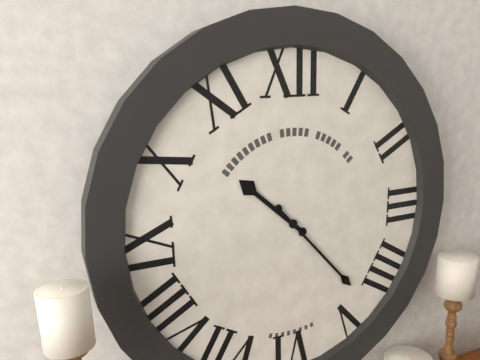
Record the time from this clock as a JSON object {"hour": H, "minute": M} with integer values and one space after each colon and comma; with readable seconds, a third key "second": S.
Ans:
{"hour": 10, "minute": 23}
